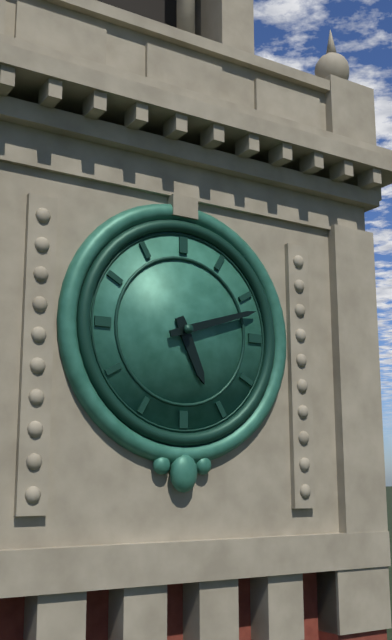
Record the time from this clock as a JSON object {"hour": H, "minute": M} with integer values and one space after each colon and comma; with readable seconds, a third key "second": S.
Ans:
{"hour": 5, "minute": 12}
